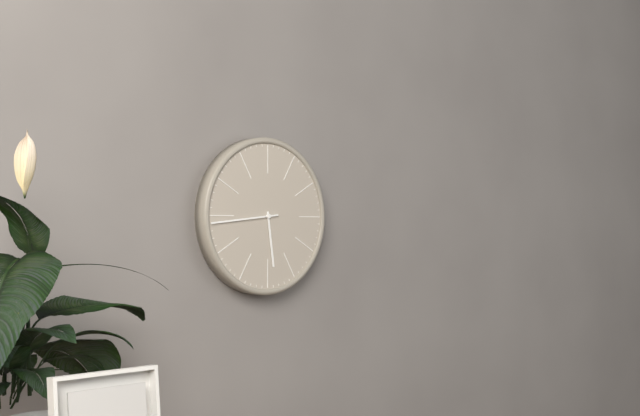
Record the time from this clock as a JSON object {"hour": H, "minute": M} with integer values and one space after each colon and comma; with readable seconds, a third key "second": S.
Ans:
{"hour": 5, "minute": 44}
